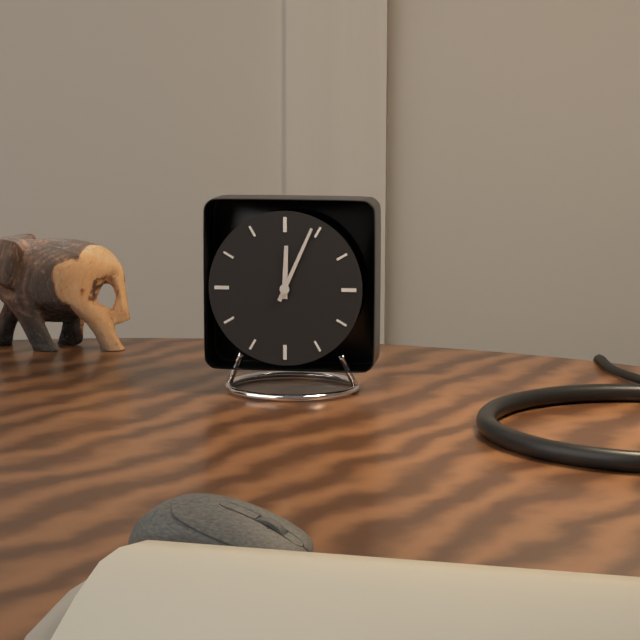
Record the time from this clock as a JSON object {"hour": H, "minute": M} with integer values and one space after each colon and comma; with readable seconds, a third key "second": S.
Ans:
{"hour": 12, "minute": 4}
